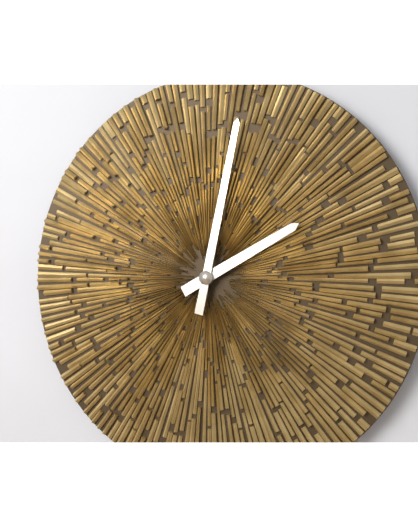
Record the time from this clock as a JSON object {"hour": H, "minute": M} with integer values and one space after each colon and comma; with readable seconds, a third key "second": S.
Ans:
{"hour": 2, "minute": 2}
